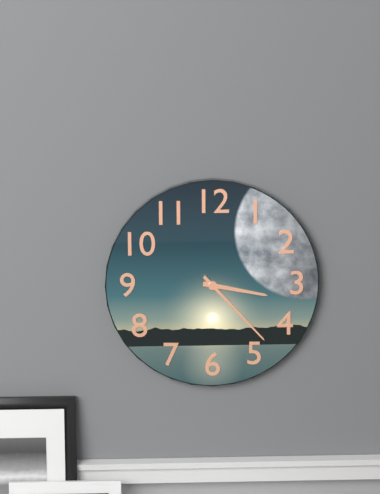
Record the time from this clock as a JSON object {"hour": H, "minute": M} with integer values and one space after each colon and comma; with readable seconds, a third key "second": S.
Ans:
{"hour": 3, "minute": 23}
